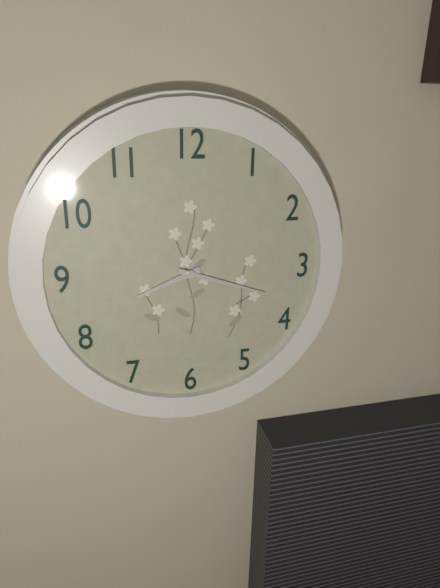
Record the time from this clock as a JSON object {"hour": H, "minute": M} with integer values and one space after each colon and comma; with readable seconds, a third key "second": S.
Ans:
{"hour": 8, "minute": 18}
